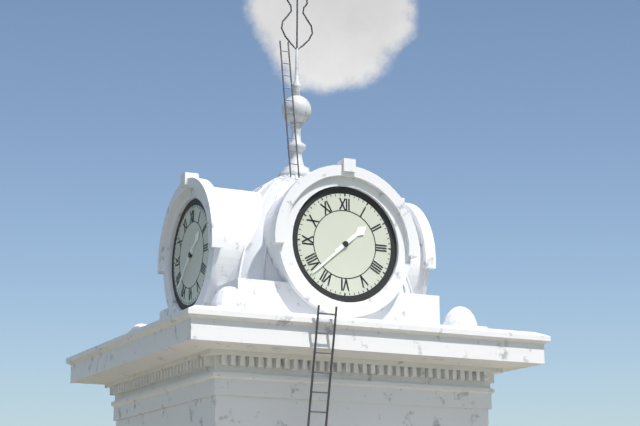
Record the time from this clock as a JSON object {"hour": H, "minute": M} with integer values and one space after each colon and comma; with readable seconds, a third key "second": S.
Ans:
{"hour": 1, "minute": 38}
